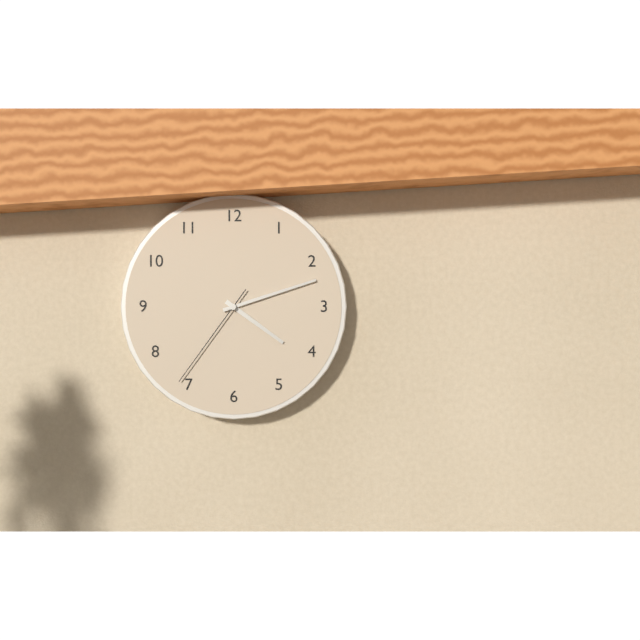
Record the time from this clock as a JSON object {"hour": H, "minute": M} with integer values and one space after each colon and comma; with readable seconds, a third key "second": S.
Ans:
{"hour": 4, "minute": 12, "second": 36}
